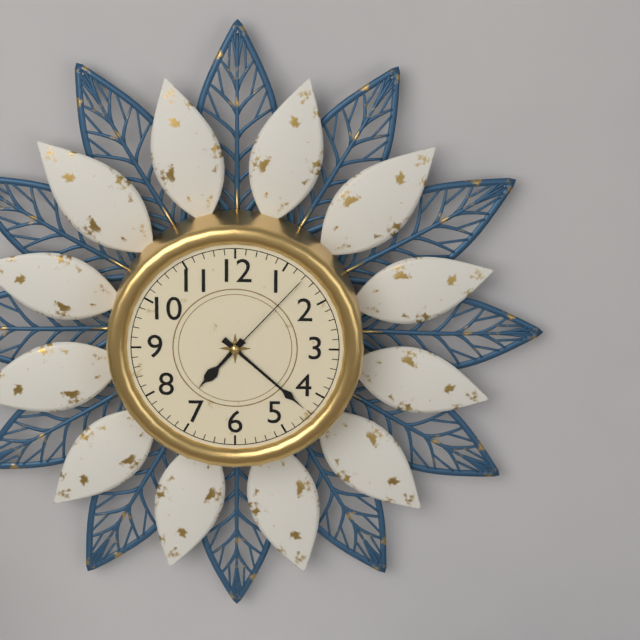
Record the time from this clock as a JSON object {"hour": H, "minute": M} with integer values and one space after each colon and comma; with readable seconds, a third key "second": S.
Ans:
{"hour": 7, "minute": 22, "second": 7}
